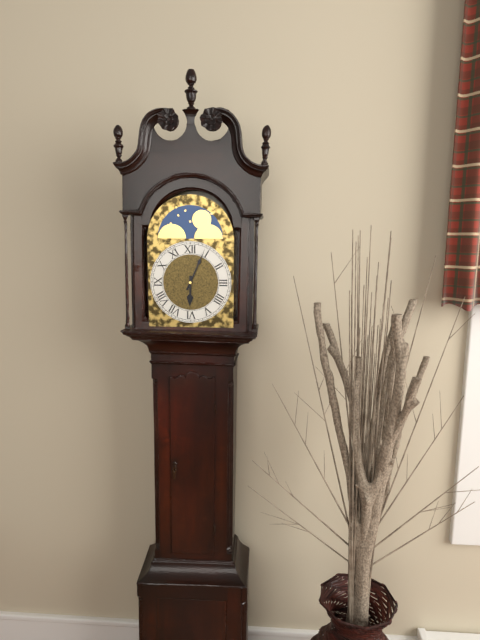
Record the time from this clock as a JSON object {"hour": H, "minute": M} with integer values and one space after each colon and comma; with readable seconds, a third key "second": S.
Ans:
{"hour": 6, "minute": 4}
